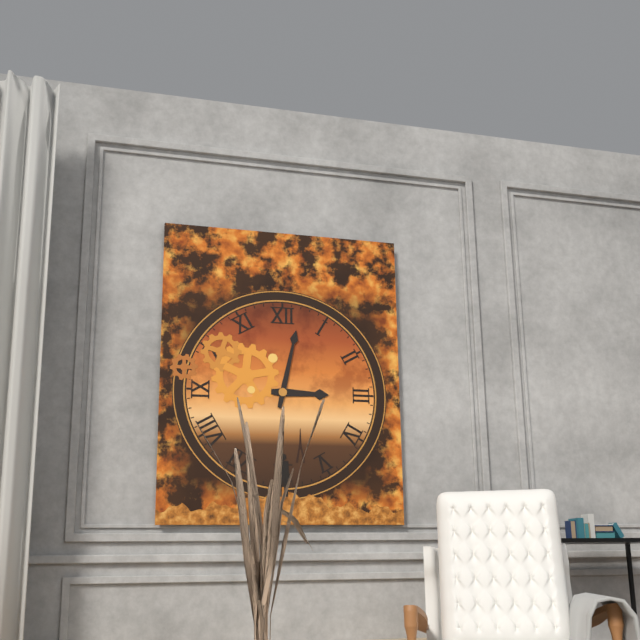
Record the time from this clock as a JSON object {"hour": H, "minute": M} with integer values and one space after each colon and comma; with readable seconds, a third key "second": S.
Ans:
{"hour": 3, "minute": 2}
